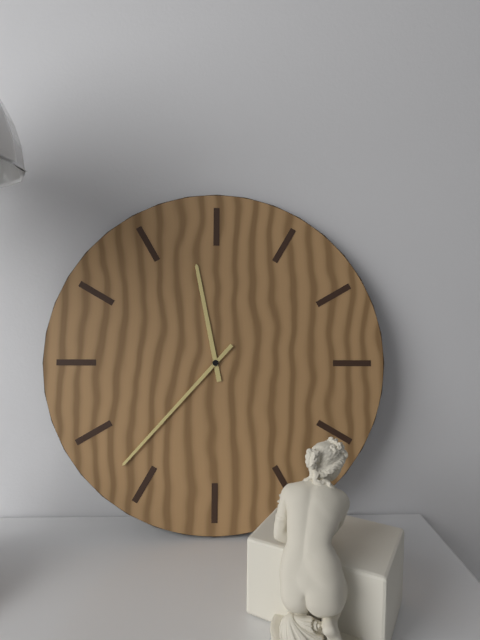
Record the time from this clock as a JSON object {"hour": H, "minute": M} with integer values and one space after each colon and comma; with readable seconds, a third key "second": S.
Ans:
{"hour": 11, "minute": 37}
